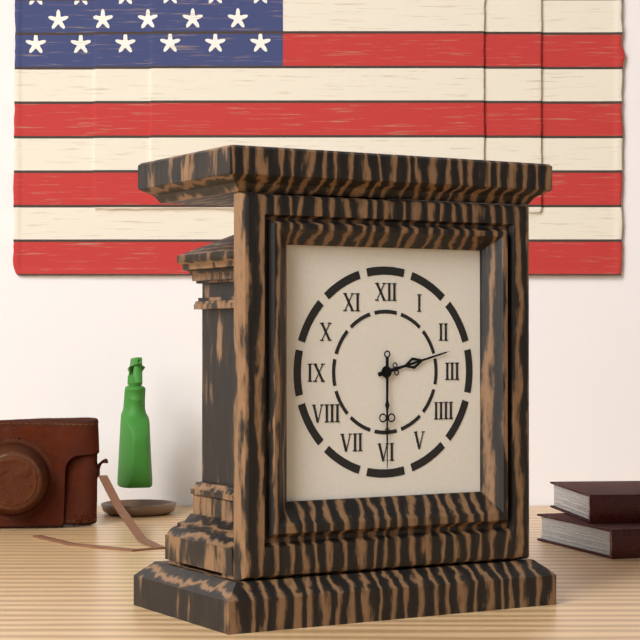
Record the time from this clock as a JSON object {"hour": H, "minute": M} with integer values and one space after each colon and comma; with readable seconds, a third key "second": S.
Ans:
{"hour": 2, "minute": 30}
